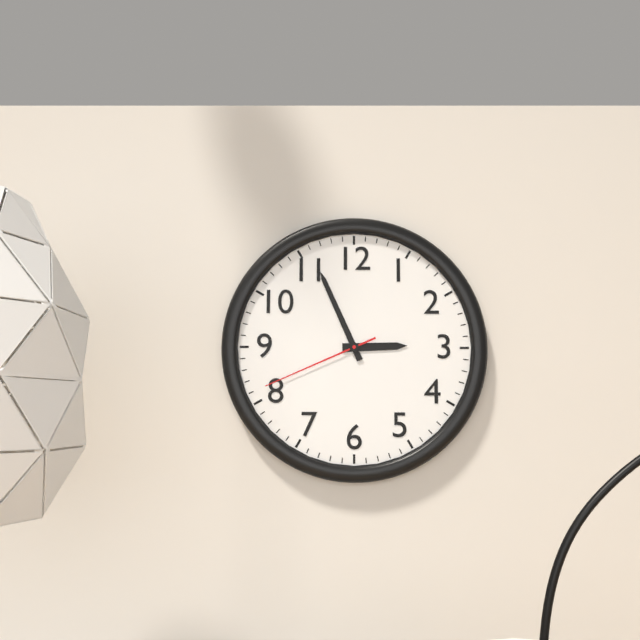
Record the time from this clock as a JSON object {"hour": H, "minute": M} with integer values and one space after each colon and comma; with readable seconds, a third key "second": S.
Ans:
{"hour": 2, "minute": 56, "second": 41}
